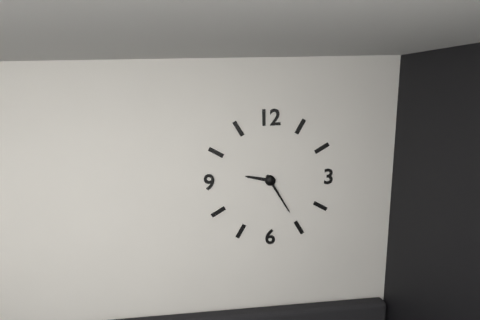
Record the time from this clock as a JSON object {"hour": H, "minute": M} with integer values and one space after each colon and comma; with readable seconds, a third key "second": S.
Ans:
{"hour": 9, "minute": 25}
